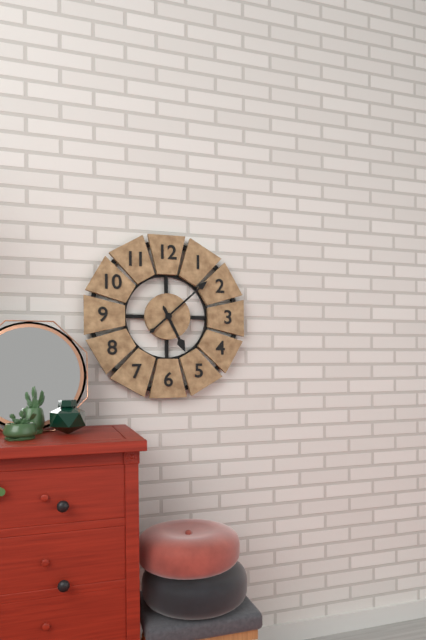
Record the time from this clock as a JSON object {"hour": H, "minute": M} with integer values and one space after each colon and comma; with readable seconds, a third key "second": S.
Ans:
{"hour": 5, "minute": 8}
